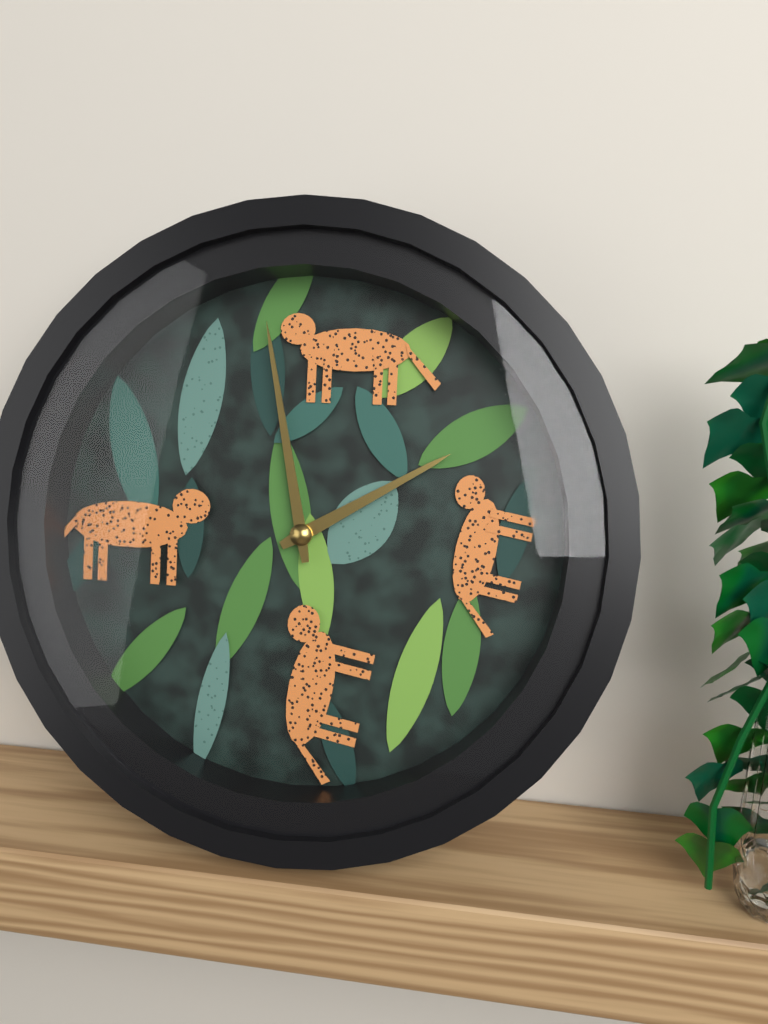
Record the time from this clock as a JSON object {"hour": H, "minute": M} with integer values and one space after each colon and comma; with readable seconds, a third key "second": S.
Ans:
{"hour": 1, "minute": 58}
